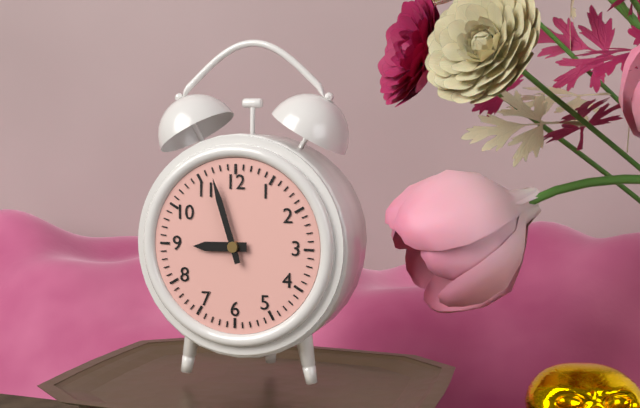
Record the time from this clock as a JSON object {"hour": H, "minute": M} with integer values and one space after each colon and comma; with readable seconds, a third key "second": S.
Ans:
{"hour": 8, "minute": 57}
